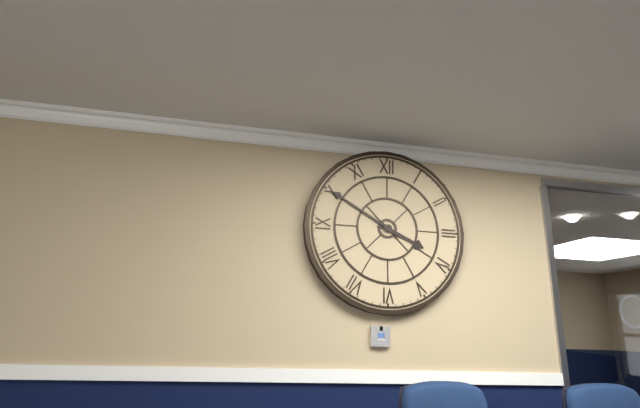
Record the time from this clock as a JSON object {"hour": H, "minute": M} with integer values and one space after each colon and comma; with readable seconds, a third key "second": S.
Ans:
{"hour": 3, "minute": 50}
